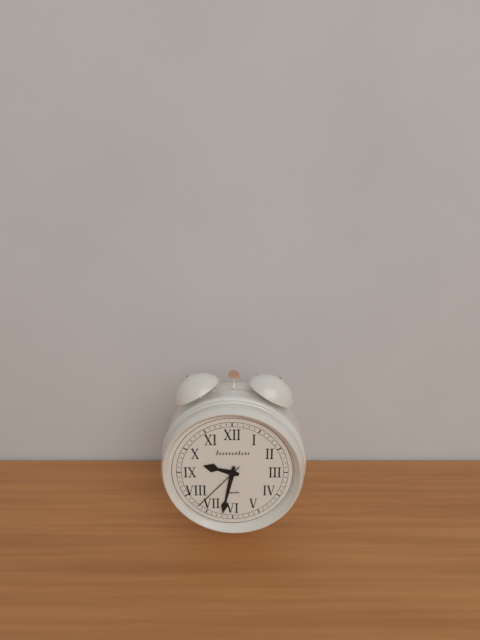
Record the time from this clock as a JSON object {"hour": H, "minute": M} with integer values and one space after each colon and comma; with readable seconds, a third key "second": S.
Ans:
{"hour": 9, "minute": 32, "second": 37}
